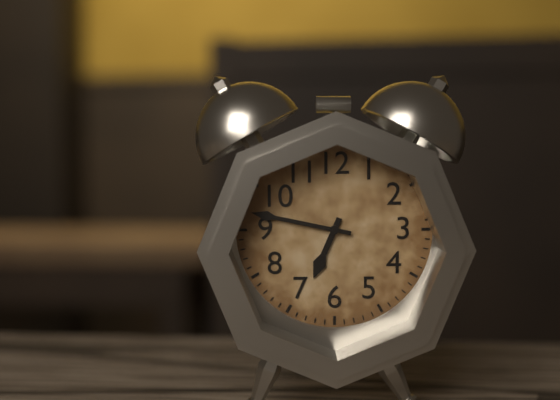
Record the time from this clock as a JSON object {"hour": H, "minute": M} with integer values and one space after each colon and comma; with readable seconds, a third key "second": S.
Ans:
{"hour": 6, "minute": 47}
